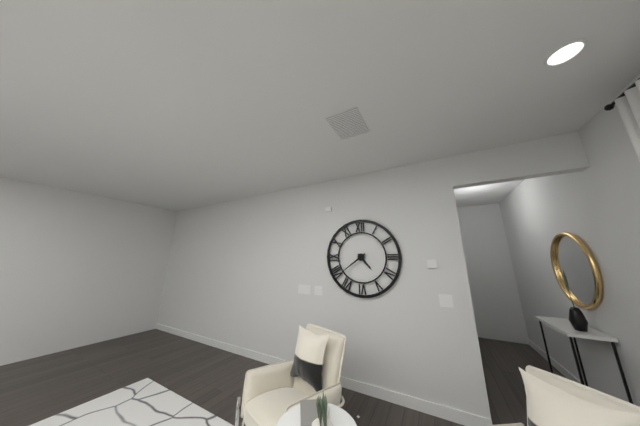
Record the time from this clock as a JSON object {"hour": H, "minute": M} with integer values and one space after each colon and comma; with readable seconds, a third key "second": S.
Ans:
{"hour": 4, "minute": 39}
